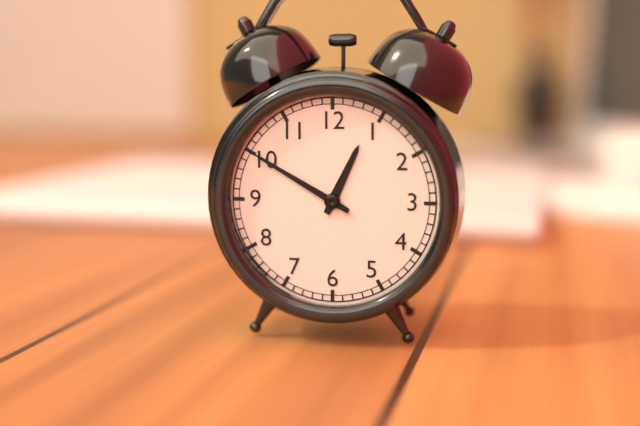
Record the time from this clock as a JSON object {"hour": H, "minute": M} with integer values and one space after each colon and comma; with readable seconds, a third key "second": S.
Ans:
{"hour": 12, "minute": 50}
